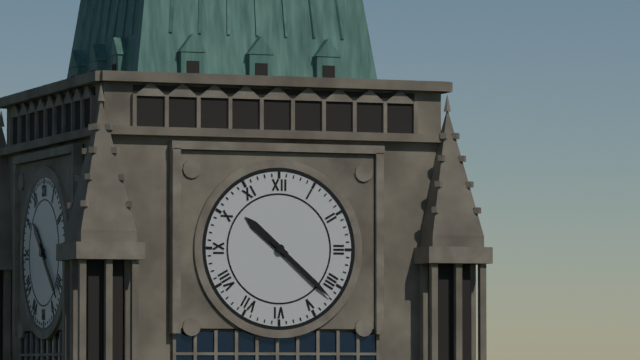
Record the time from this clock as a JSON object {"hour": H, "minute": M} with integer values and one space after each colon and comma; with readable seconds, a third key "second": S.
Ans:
{"hour": 10, "minute": 22}
